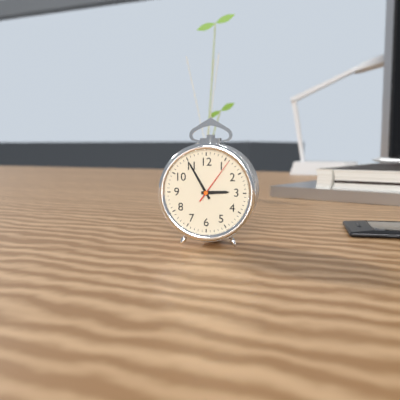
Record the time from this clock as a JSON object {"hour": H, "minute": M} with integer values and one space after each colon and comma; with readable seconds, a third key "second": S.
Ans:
{"hour": 2, "minute": 55}
